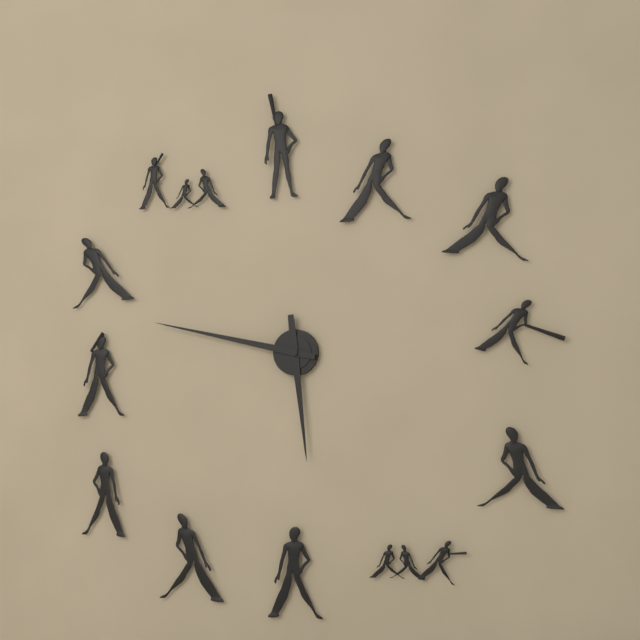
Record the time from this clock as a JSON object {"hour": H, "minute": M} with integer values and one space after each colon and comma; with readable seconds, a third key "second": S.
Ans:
{"hour": 5, "minute": 47}
